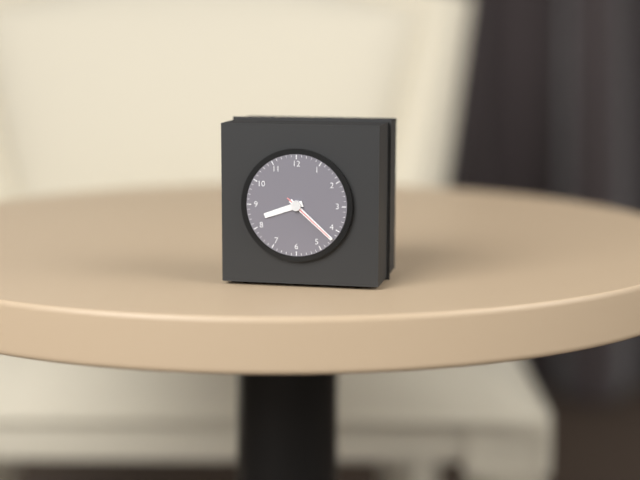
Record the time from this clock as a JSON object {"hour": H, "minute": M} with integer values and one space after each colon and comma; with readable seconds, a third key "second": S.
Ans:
{"hour": 8, "minute": 22, "second": 22}
